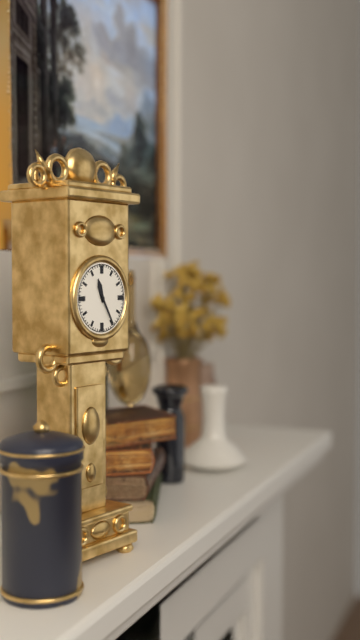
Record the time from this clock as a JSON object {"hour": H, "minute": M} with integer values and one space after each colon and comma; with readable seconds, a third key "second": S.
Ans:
{"hour": 11, "minute": 25}
